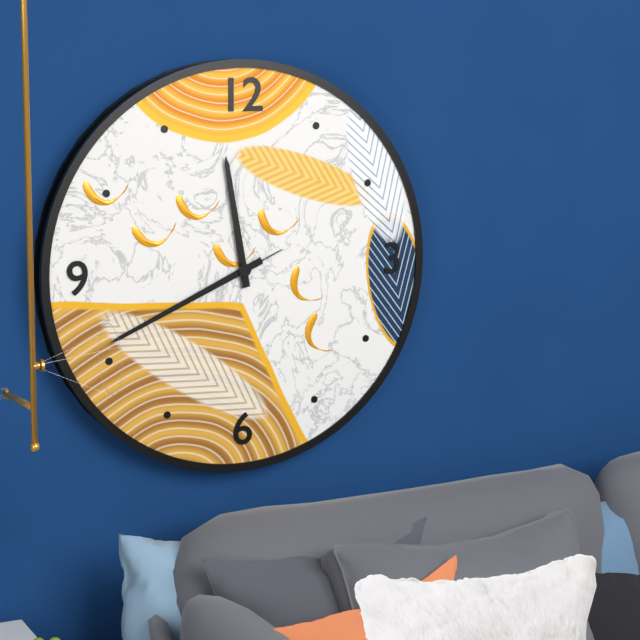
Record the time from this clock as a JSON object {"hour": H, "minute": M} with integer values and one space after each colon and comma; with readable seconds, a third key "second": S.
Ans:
{"hour": 11, "minute": 41, "second": 41}
